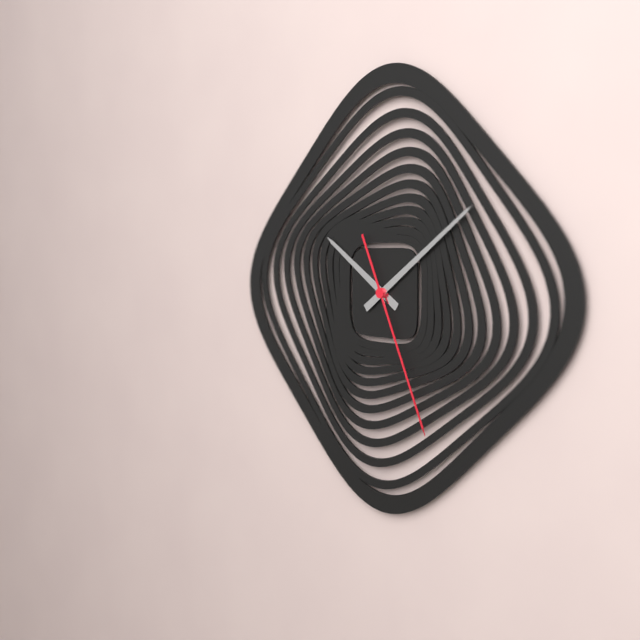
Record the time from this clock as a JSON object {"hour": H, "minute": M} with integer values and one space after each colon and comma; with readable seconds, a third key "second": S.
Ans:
{"hour": 10, "minute": 9, "second": 26}
